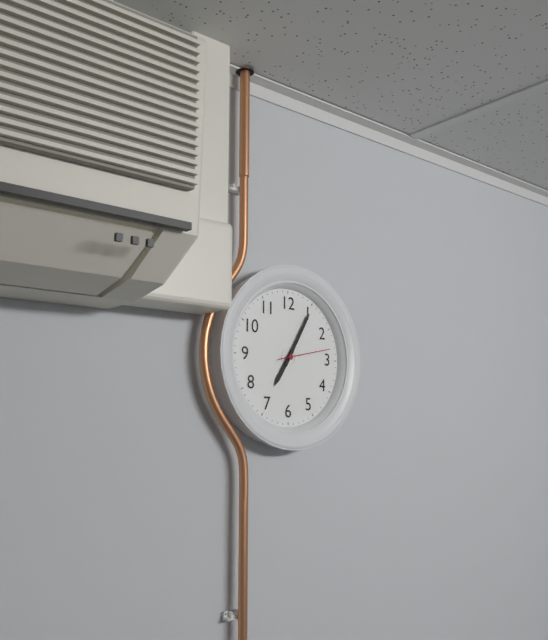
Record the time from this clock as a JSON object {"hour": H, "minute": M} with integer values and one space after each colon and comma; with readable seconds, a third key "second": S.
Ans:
{"hour": 7, "minute": 5, "second": 13}
